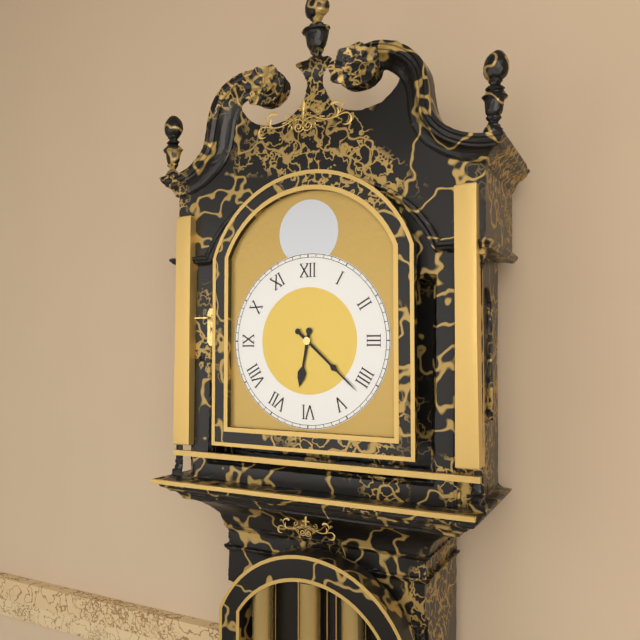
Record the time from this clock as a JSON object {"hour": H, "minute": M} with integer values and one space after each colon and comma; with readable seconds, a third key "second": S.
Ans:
{"hour": 6, "minute": 22}
